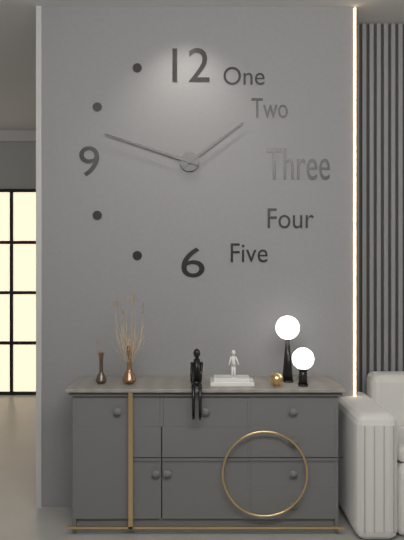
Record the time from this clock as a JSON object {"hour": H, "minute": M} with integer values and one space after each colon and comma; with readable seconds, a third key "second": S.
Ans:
{"hour": 1, "minute": 48}
